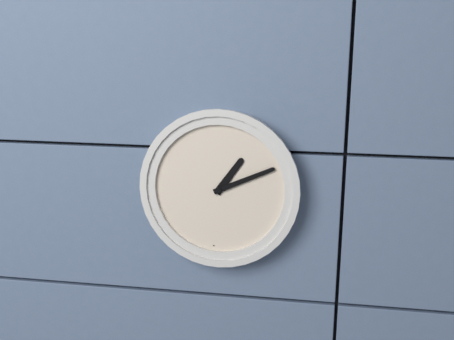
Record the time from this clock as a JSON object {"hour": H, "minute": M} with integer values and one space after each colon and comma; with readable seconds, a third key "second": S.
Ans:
{"hour": 1, "minute": 11}
